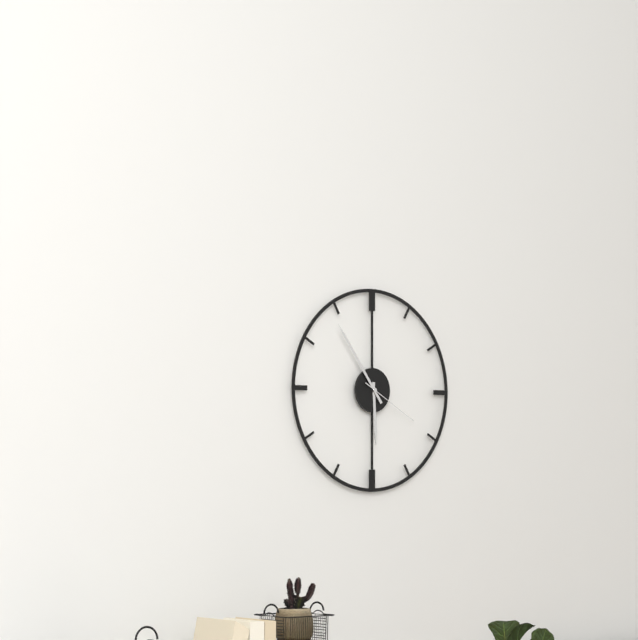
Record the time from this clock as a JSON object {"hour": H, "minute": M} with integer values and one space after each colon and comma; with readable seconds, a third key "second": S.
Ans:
{"hour": 5, "minute": 54, "second": 20}
